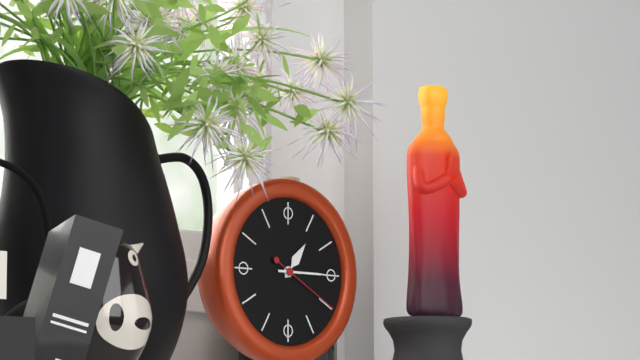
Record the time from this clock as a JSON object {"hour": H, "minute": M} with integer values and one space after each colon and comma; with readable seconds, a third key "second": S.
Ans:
{"hour": 1, "minute": 15, "second": 20}
